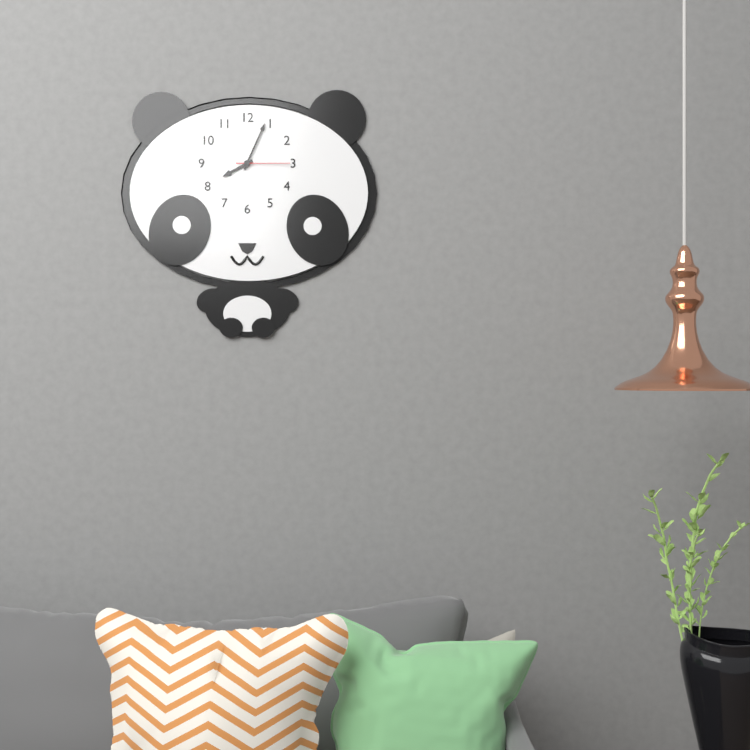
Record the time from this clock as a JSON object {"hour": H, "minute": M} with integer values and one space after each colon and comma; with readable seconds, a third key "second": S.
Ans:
{"hour": 8, "minute": 4, "second": 15}
